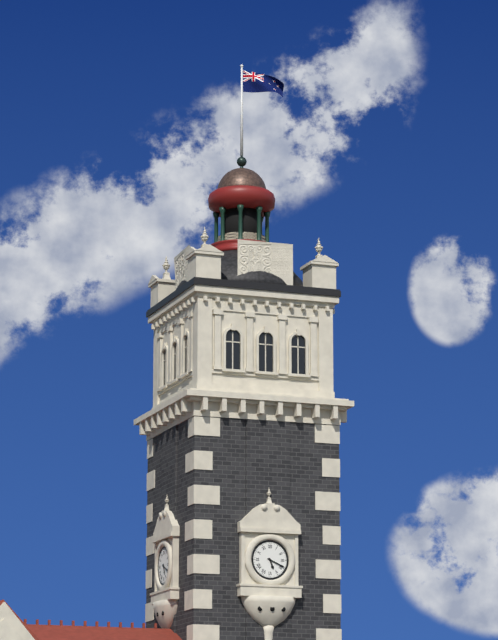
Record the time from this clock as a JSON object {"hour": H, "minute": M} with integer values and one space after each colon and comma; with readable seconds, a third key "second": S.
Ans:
{"hour": 5, "minute": 19}
